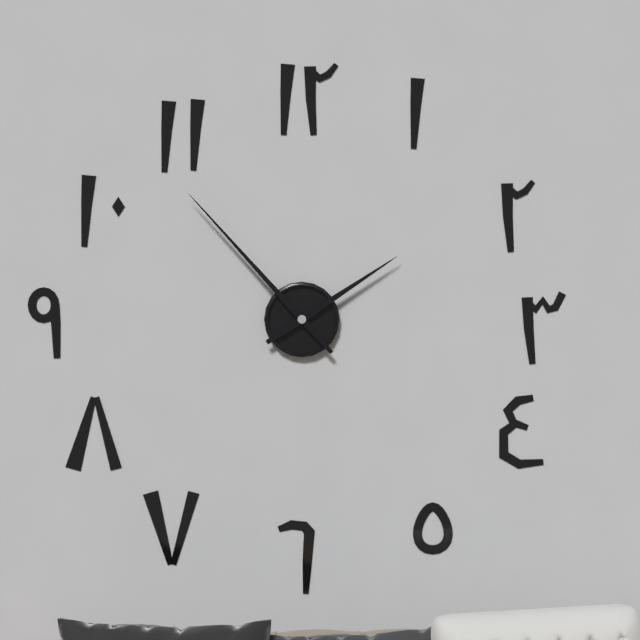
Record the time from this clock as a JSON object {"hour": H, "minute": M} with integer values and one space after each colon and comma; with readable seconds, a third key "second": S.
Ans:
{"hour": 1, "minute": 53}
